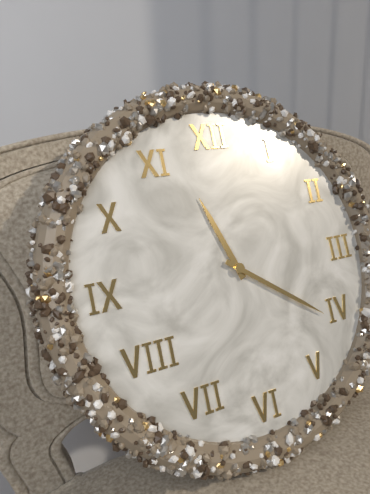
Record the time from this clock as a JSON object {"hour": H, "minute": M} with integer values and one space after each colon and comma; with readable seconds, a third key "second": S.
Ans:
{"hour": 11, "minute": 21}
